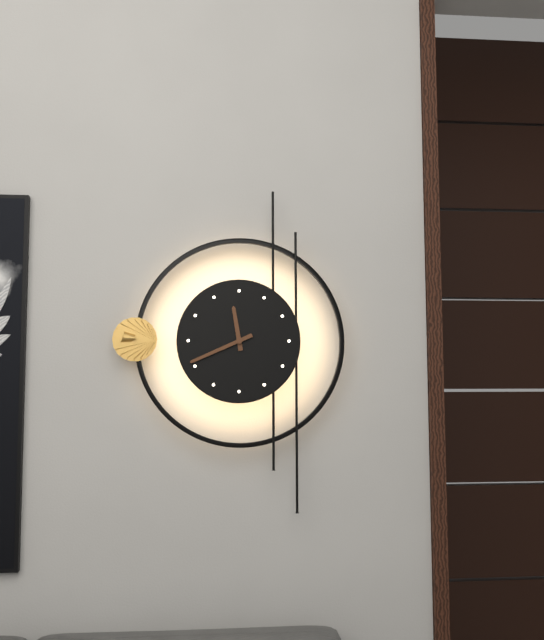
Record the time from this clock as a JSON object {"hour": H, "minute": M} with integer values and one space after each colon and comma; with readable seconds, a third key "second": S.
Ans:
{"hour": 11, "minute": 41}
